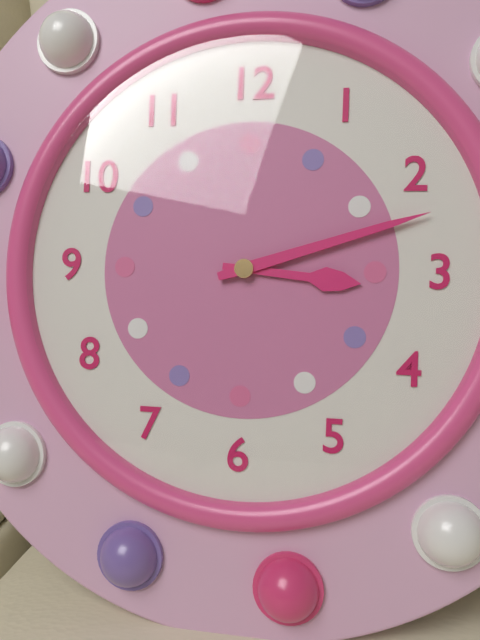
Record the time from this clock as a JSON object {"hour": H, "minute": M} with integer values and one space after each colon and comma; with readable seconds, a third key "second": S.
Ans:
{"hour": 3, "minute": 12}
